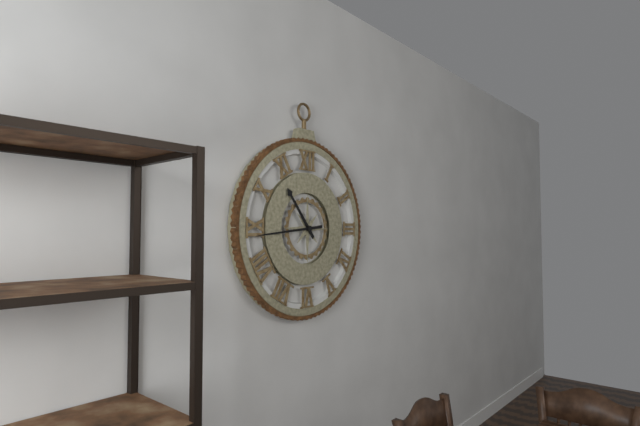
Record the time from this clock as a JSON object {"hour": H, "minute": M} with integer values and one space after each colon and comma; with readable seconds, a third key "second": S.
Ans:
{"hour": 10, "minute": 44}
